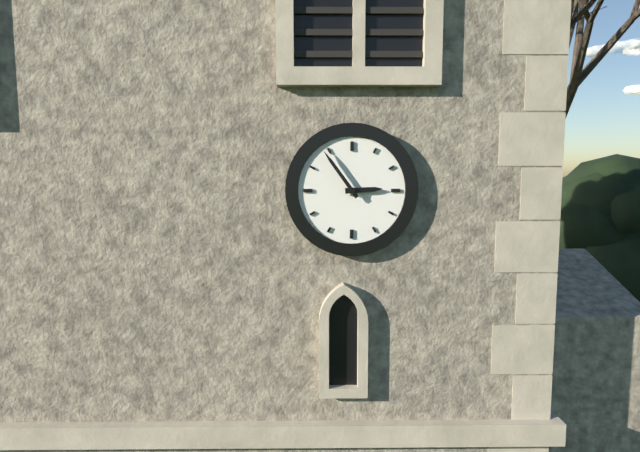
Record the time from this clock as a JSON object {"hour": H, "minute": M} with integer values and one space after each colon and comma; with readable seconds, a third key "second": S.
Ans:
{"hour": 2, "minute": 54}
